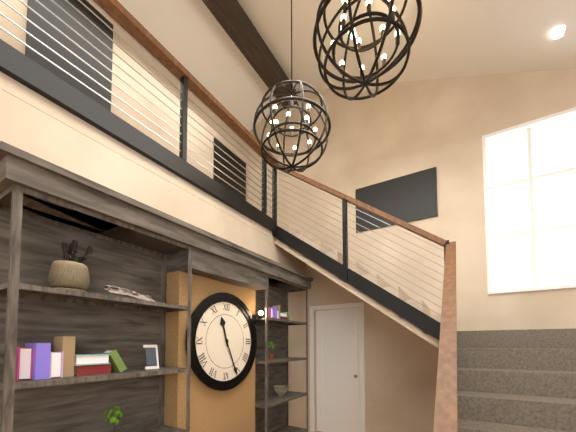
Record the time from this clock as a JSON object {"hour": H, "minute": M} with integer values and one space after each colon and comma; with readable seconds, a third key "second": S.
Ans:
{"hour": 11, "minute": 26}
